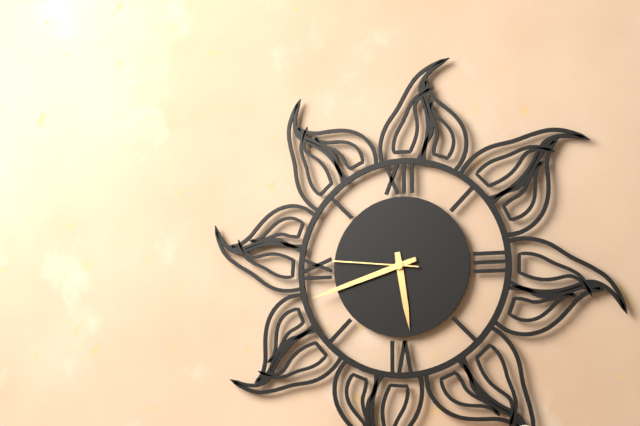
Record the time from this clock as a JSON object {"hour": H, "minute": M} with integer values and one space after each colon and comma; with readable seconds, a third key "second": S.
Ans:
{"hour": 5, "minute": 42, "second": 46}
